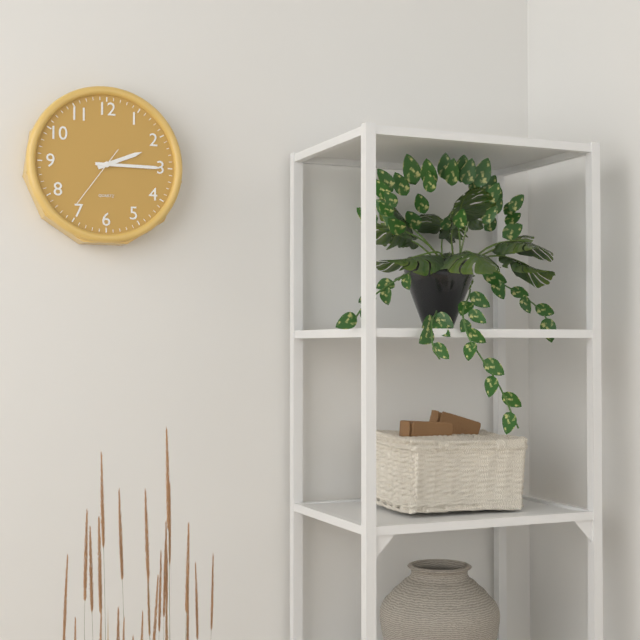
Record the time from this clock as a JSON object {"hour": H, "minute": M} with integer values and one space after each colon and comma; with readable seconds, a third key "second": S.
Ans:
{"hour": 2, "minute": 15, "second": 36}
